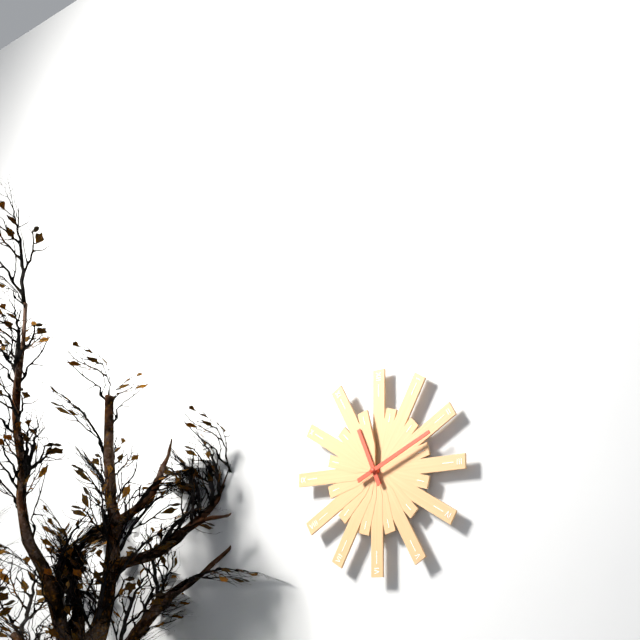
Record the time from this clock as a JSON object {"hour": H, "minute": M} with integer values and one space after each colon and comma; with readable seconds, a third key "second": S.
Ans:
{"hour": 11, "minute": 11}
